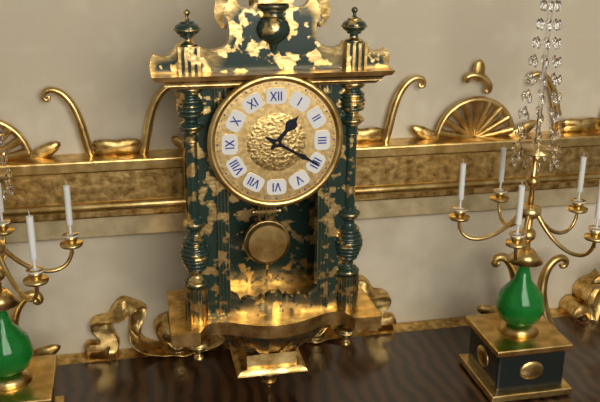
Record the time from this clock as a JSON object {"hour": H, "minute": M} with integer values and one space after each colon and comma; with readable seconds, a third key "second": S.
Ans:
{"hour": 1, "minute": 20}
